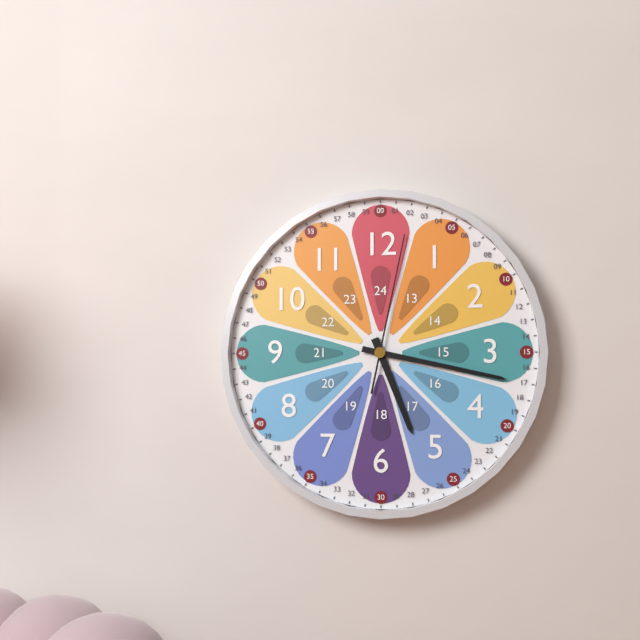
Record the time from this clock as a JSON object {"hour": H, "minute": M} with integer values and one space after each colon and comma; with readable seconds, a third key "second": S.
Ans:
{"hour": 5, "minute": 17, "second": 2}
